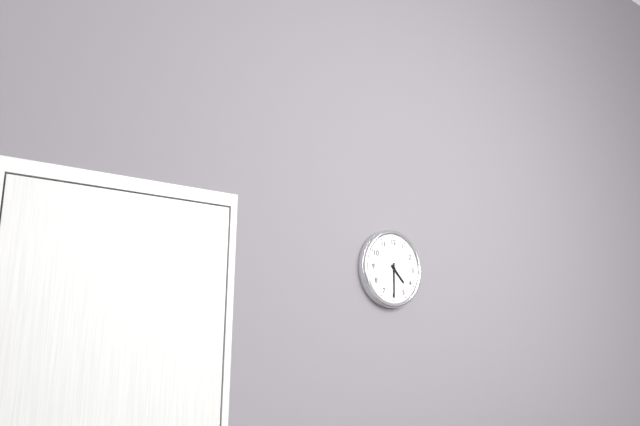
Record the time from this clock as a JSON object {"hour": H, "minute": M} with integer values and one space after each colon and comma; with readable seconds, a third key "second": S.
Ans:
{"hour": 4, "minute": 30}
